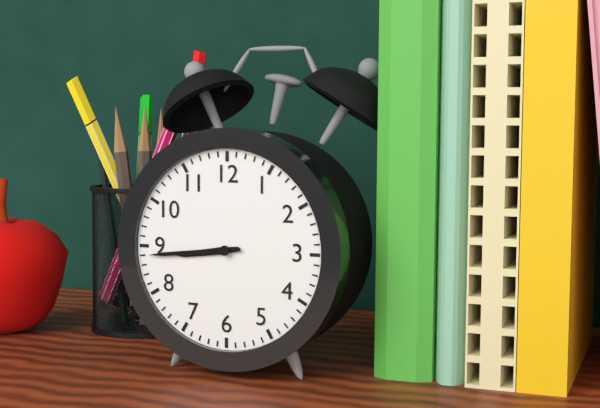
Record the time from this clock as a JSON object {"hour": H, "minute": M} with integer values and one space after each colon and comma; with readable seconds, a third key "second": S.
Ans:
{"hour": 8, "minute": 44}
